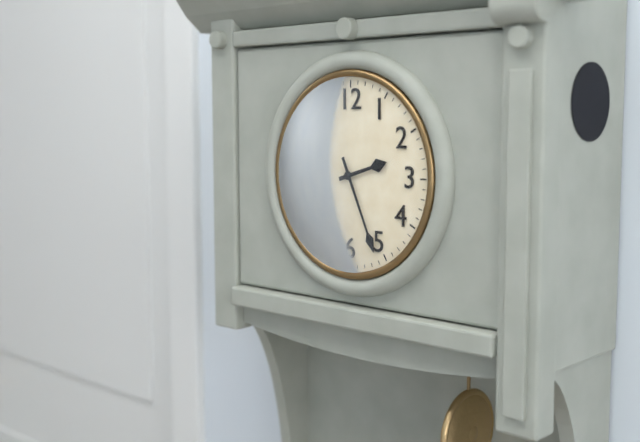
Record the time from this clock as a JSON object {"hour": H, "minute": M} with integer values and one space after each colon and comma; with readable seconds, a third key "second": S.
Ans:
{"hour": 2, "minute": 26}
